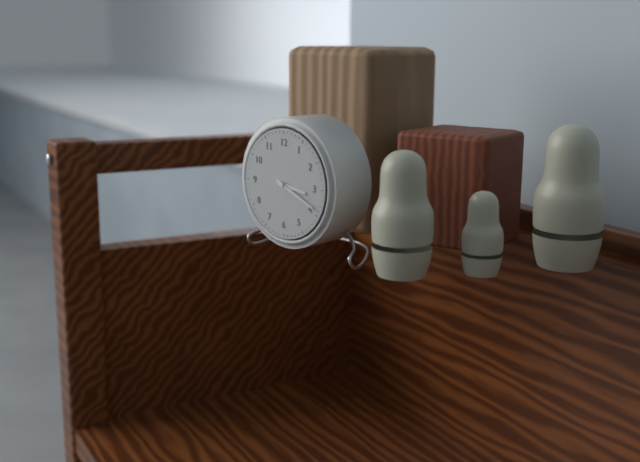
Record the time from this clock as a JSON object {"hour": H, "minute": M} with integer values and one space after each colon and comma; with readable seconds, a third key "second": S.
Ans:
{"hour": 3, "minute": 19}
